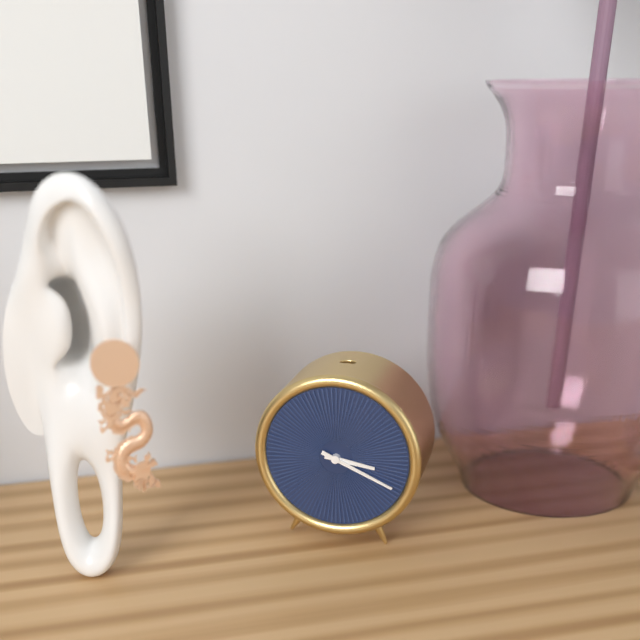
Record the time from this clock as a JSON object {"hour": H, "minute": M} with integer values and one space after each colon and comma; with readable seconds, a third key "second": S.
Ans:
{"hour": 3, "minute": 19}
